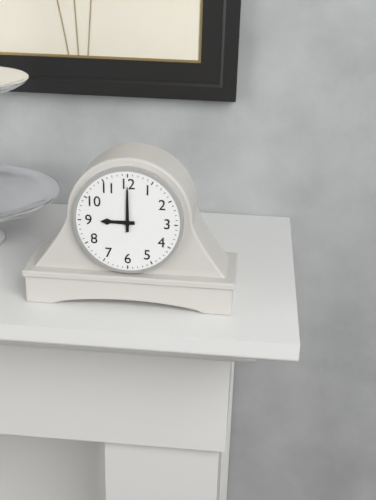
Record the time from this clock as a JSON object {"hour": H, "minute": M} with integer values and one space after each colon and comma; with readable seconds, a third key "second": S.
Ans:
{"hour": 9, "minute": 0}
